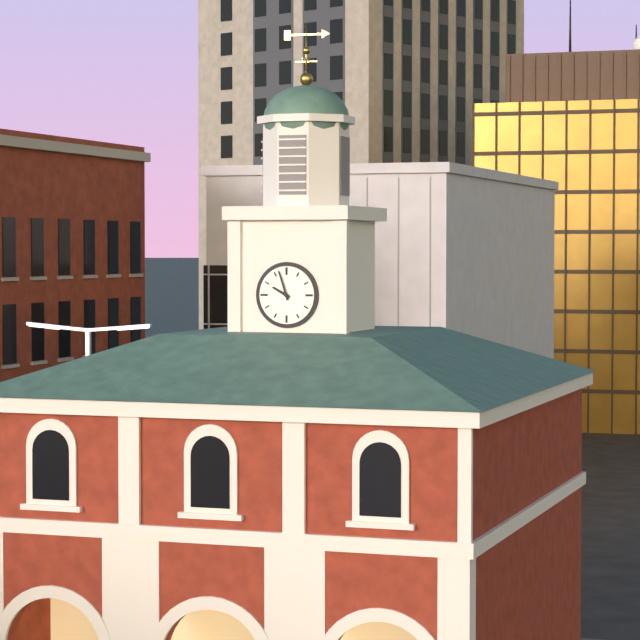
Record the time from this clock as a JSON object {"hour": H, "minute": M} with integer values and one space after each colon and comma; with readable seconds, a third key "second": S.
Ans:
{"hour": 9, "minute": 57}
